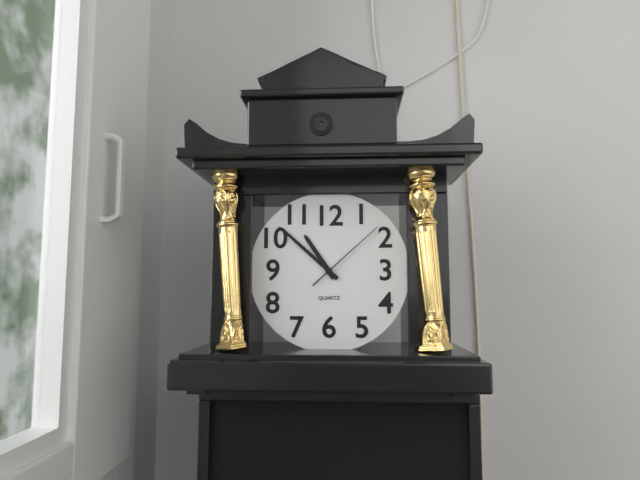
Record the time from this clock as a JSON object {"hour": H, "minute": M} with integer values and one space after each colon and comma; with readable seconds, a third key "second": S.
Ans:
{"hour": 10, "minute": 52, "second": 8}
